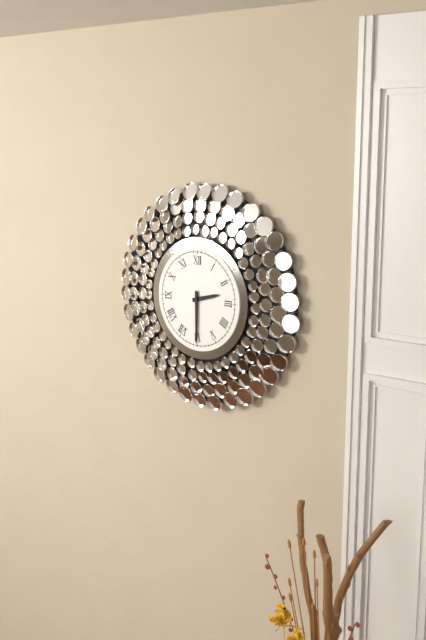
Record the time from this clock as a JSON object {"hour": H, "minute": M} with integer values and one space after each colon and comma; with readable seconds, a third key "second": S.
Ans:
{"hour": 2, "minute": 30}
